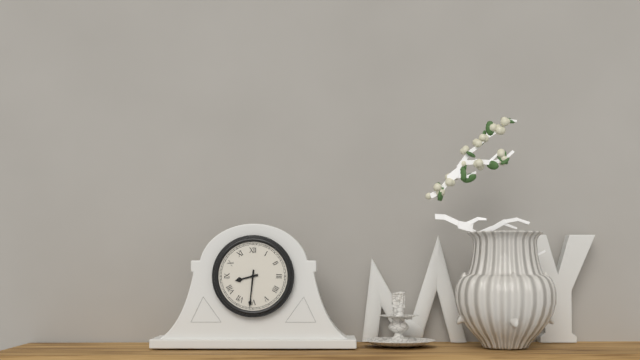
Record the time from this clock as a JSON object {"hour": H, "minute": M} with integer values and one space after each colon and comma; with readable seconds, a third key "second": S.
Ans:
{"hour": 8, "minute": 31}
